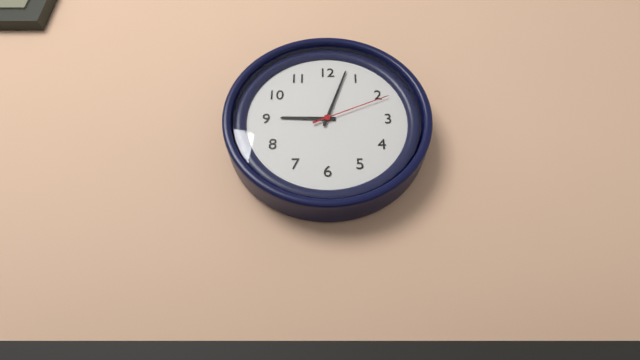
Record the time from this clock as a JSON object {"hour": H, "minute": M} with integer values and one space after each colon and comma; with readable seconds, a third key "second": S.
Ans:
{"hour": 9, "minute": 3, "second": 11}
